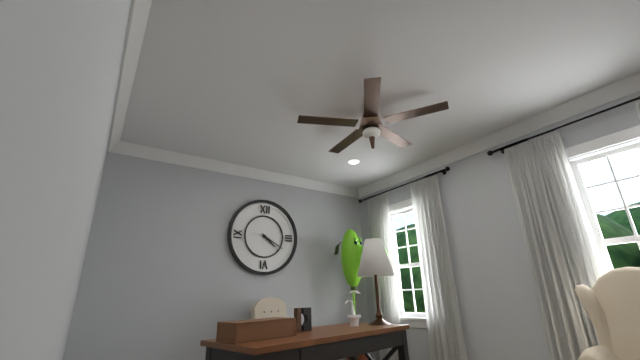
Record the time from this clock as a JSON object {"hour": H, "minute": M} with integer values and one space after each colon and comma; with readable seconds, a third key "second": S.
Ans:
{"hour": 4, "minute": 20}
